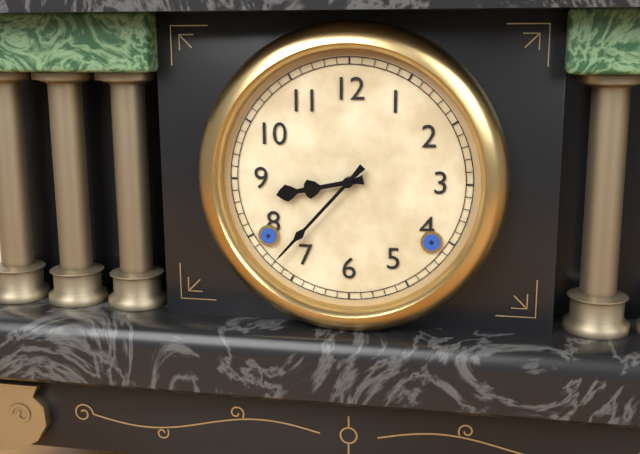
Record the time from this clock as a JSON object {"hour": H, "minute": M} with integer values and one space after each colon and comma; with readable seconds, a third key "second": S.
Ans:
{"hour": 8, "minute": 37}
